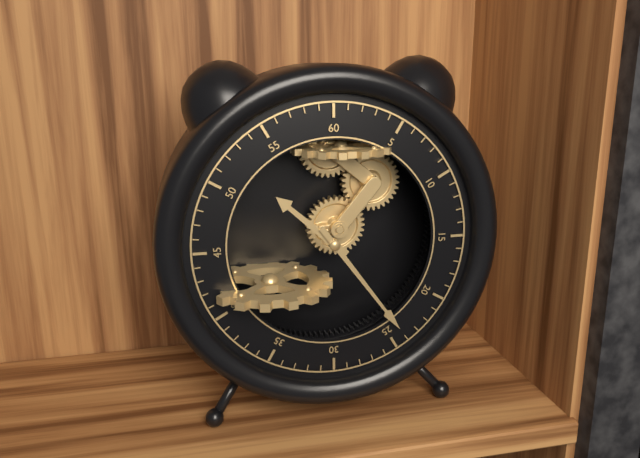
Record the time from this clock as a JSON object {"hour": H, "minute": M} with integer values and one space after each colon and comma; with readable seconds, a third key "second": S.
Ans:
{"hour": 10, "minute": 24}
